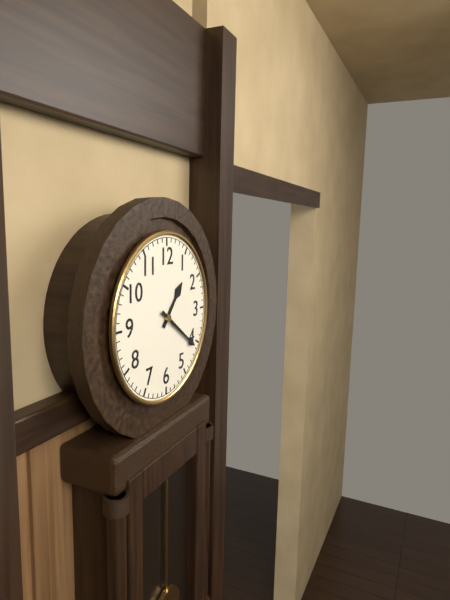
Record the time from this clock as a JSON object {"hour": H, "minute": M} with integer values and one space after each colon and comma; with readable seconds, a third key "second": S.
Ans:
{"hour": 1, "minute": 21}
